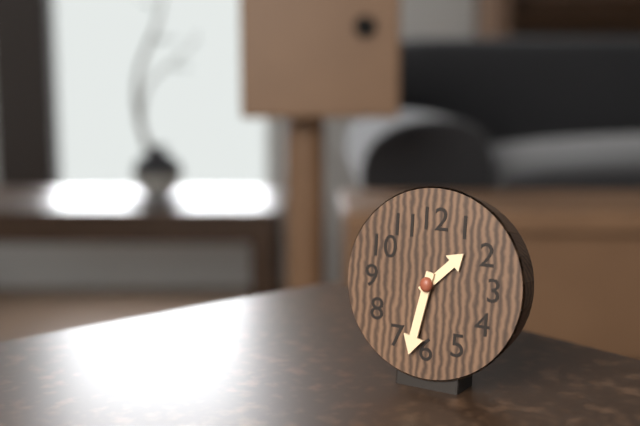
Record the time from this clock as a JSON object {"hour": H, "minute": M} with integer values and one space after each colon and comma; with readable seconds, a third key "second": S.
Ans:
{"hour": 1, "minute": 32}
